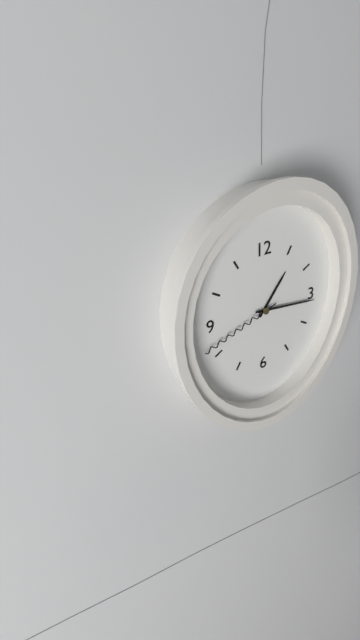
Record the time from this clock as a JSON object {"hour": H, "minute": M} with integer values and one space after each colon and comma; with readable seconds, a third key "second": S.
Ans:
{"hour": 1, "minute": 16, "second": 42}
